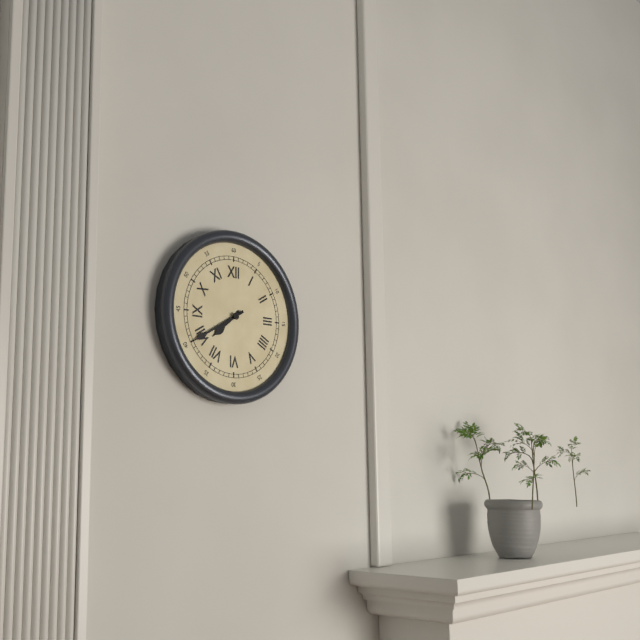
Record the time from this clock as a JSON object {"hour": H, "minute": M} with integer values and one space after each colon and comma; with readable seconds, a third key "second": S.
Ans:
{"hour": 7, "minute": 40}
